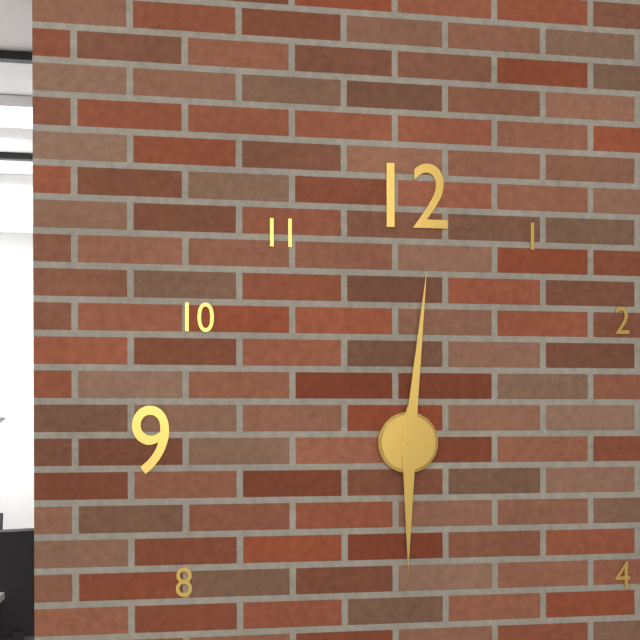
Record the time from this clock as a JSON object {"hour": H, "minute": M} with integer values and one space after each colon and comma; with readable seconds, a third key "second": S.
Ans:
{"hour": 6, "minute": 1}
